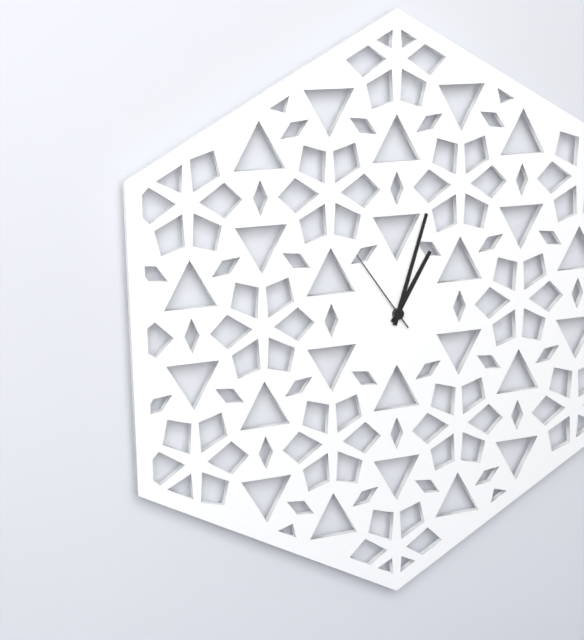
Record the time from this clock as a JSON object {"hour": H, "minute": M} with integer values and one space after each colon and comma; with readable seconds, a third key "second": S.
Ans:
{"hour": 1, "minute": 3, "second": 54}
